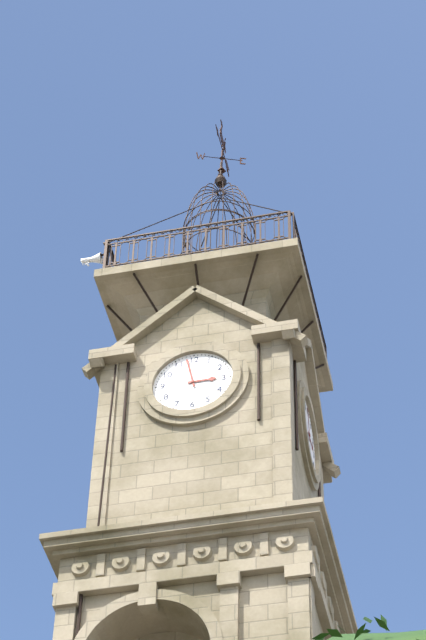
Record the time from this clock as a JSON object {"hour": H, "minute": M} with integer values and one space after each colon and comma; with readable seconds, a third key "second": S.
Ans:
{"hour": 2, "minute": 58}
